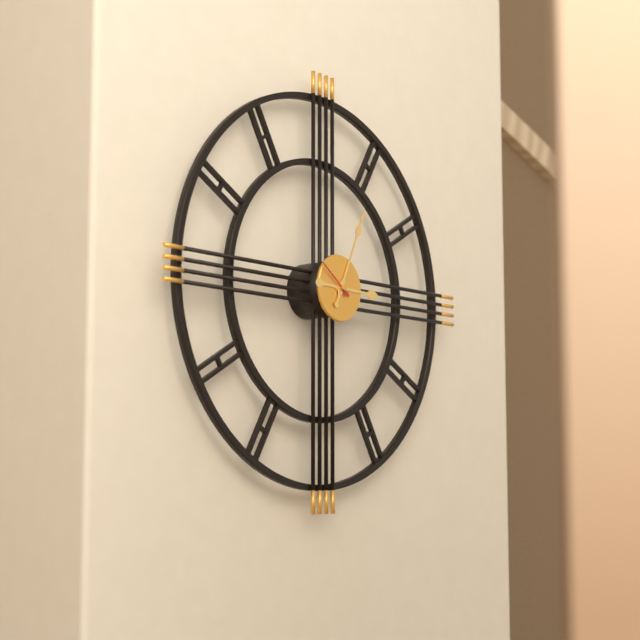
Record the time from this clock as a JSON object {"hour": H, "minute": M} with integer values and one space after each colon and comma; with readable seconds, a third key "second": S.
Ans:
{"hour": 3, "minute": 4}
